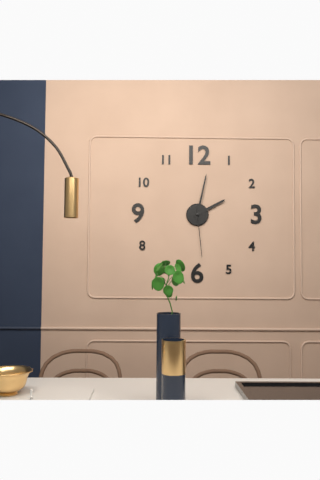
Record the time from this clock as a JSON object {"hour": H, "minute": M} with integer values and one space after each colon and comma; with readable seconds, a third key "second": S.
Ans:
{"hour": 2, "minute": 2, "second": 29}
